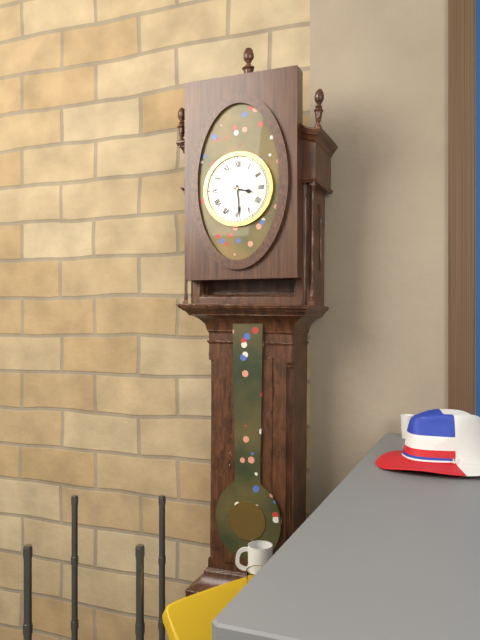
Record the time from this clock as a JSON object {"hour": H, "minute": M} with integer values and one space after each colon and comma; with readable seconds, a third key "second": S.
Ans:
{"hour": 3, "minute": 29}
